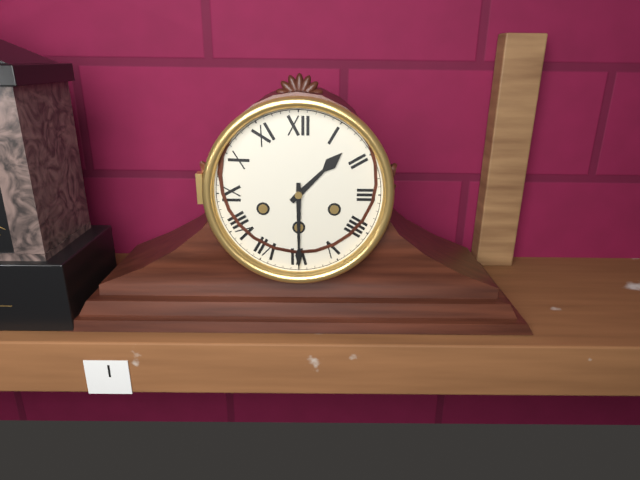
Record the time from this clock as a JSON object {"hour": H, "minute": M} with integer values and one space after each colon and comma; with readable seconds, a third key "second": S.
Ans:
{"hour": 1, "minute": 30}
